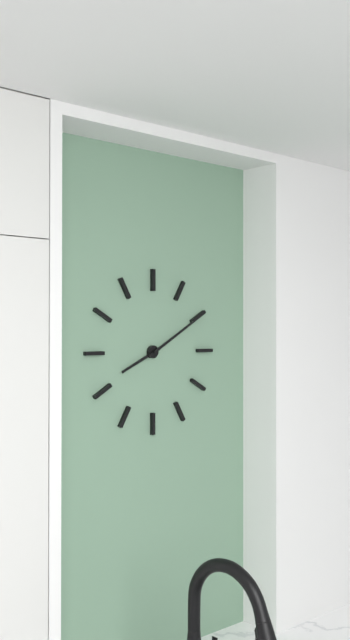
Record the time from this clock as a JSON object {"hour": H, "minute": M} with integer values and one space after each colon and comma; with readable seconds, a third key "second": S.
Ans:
{"hour": 8, "minute": 10}
